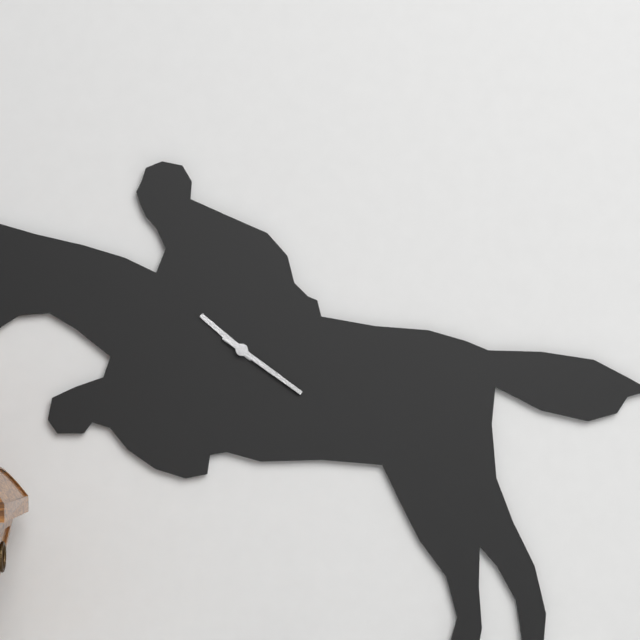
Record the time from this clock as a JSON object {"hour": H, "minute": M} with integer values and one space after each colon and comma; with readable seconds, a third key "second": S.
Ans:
{"hour": 10, "minute": 21}
